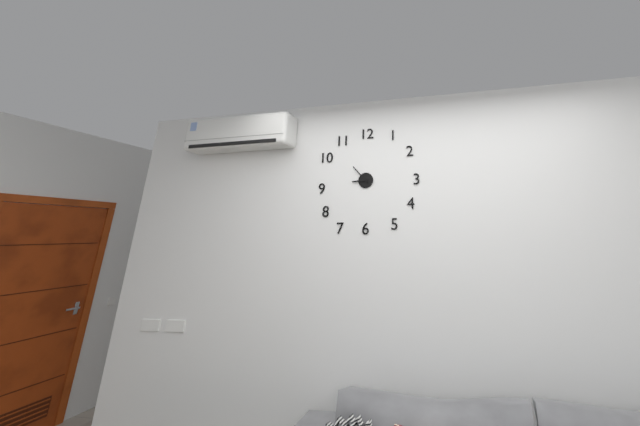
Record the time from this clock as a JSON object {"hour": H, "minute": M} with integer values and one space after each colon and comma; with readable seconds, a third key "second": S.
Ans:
{"hour": 8, "minute": 53}
